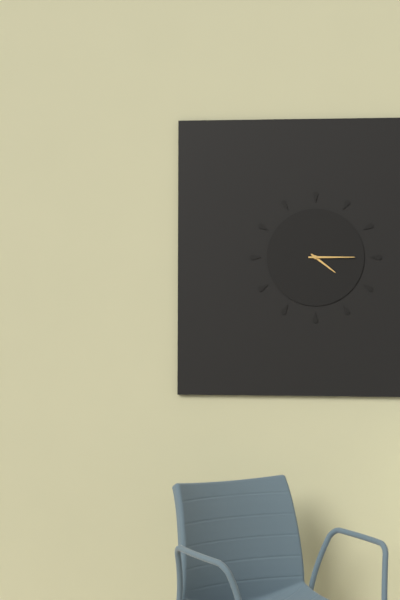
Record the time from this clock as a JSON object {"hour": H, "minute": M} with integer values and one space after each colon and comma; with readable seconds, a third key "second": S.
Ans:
{"hour": 4, "minute": 15}
